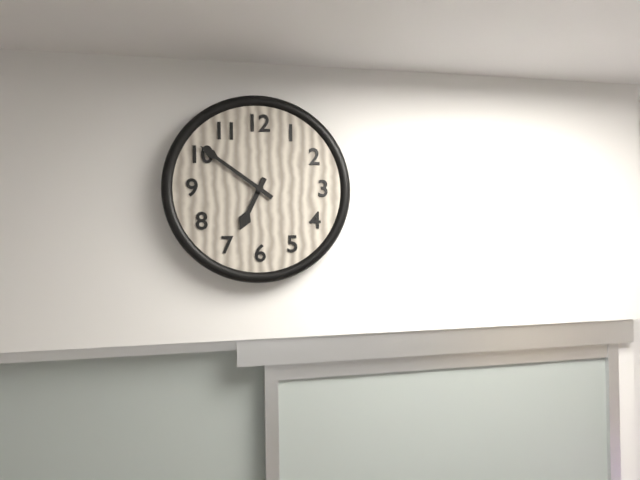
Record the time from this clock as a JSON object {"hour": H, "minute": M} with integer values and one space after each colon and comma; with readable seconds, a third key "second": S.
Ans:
{"hour": 6, "minute": 51}
